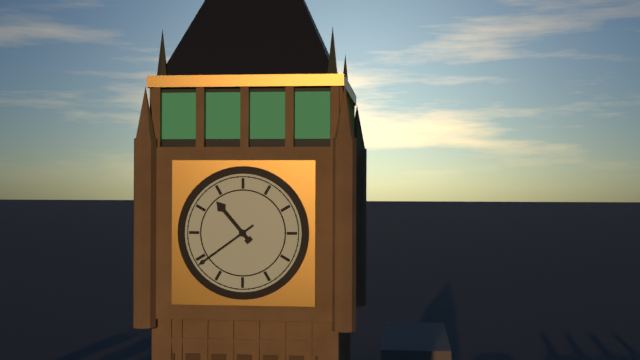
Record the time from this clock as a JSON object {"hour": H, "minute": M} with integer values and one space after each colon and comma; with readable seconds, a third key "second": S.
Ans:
{"hour": 10, "minute": 39}
